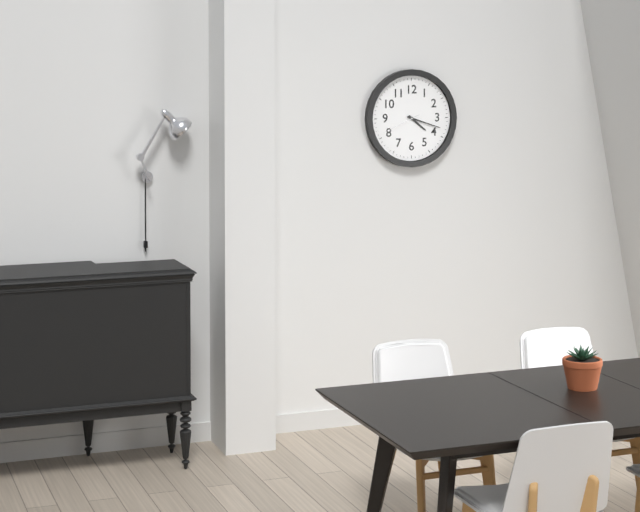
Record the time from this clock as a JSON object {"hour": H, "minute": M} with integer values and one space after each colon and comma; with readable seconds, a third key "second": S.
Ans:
{"hour": 4, "minute": 18}
